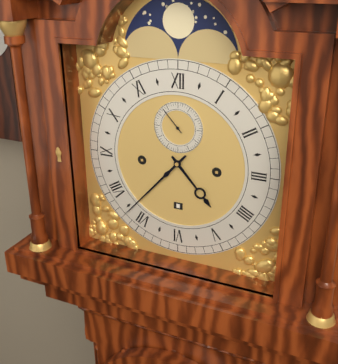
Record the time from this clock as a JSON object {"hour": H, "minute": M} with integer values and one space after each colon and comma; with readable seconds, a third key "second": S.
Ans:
{"hour": 4, "minute": 37}
